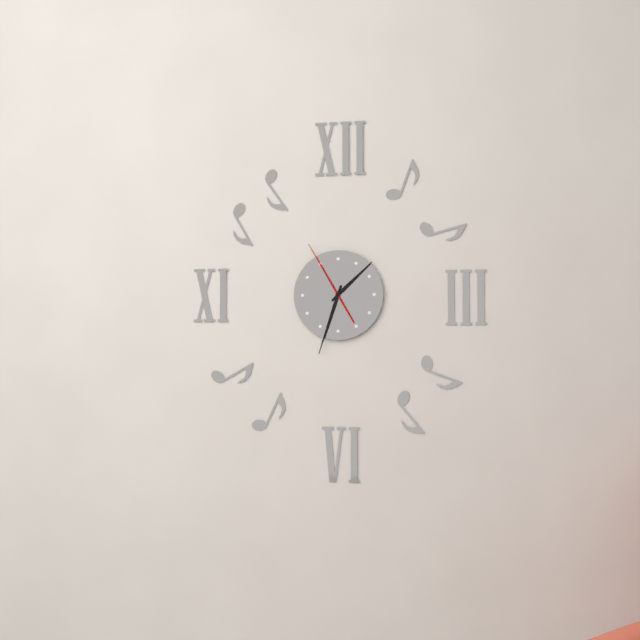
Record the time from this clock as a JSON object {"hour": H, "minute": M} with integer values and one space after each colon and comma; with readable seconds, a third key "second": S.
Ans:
{"hour": 1, "minute": 33, "second": 55}
